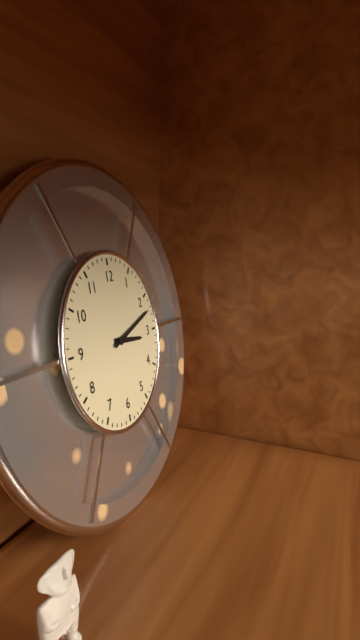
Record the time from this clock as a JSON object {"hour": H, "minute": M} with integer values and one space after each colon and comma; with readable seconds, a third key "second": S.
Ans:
{"hour": 3, "minute": 12}
